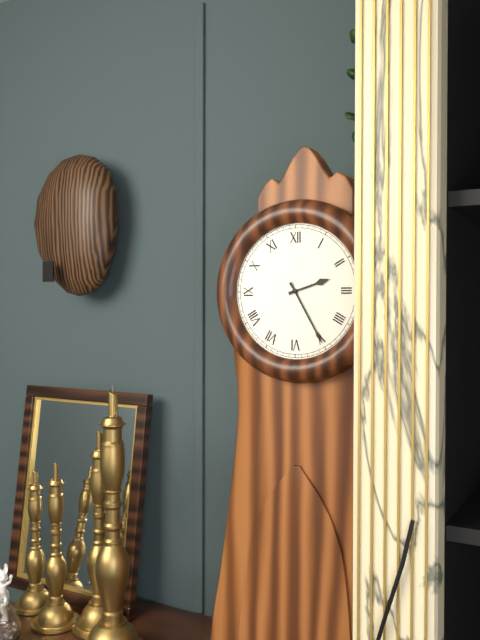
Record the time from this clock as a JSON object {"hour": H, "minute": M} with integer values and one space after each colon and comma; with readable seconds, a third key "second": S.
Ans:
{"hour": 2, "minute": 25}
